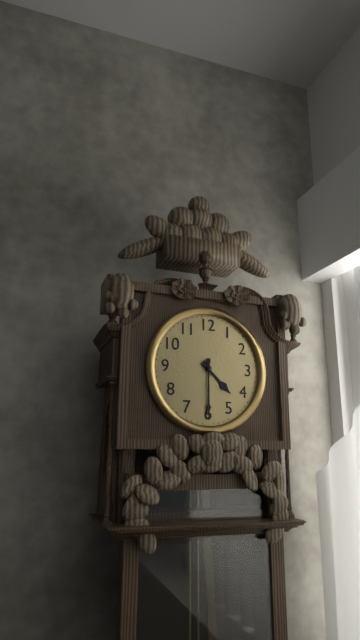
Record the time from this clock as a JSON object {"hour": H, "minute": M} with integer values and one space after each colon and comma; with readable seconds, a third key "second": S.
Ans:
{"hour": 4, "minute": 30}
